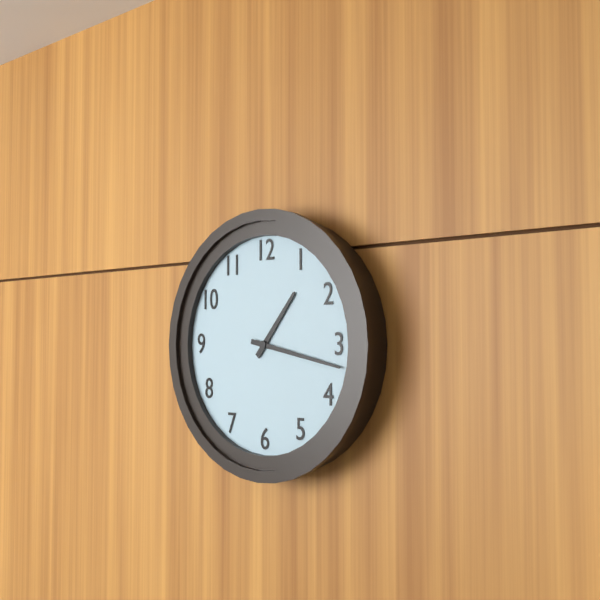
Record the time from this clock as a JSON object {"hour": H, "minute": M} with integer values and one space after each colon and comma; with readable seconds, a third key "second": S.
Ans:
{"hour": 1, "minute": 17}
